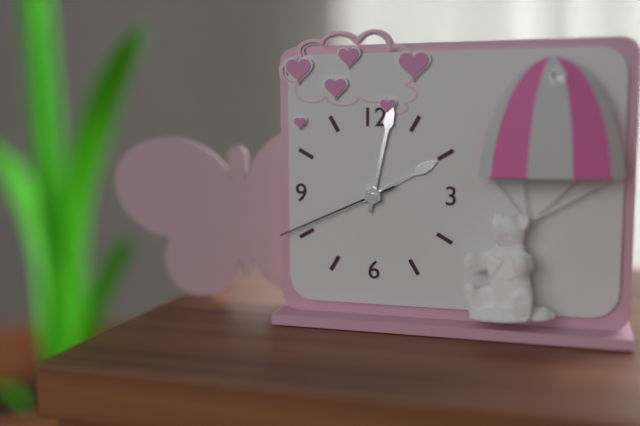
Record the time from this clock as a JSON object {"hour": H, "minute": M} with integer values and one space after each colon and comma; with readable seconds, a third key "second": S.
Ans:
{"hour": 2, "minute": 2, "second": 41}
